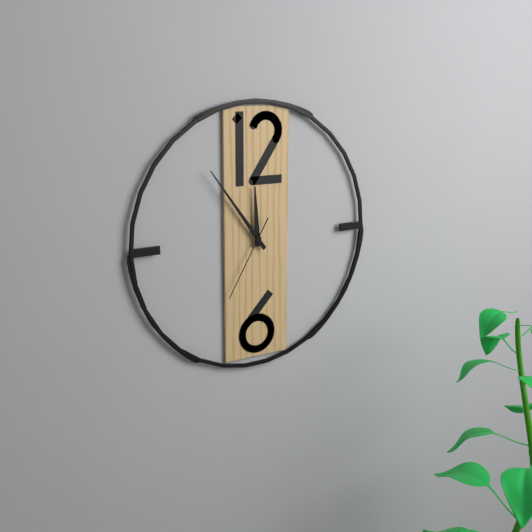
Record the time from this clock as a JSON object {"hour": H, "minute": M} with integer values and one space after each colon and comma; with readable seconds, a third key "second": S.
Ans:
{"hour": 11, "minute": 54, "second": 35}
